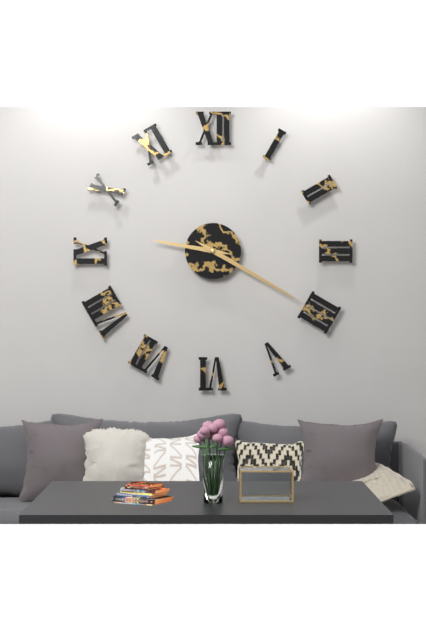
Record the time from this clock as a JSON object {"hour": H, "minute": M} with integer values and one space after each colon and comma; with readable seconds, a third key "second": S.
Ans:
{"hour": 9, "minute": 20}
